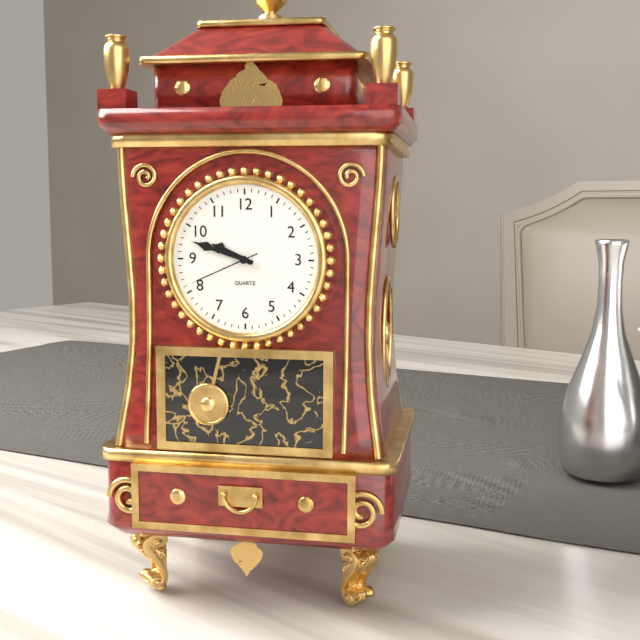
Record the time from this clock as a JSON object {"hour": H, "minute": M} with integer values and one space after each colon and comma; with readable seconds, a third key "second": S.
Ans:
{"hour": 9, "minute": 48, "second": 41}
